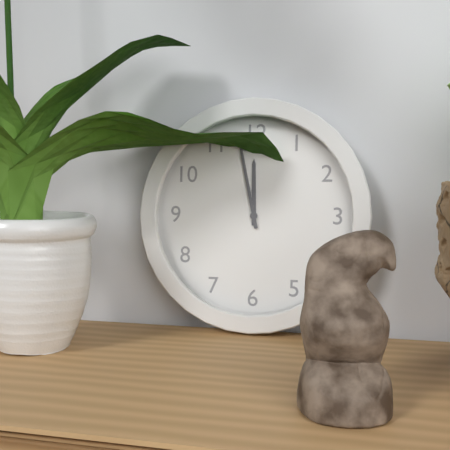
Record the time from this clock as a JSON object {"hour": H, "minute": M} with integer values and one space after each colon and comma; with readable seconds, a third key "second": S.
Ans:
{"hour": 11, "minute": 58}
